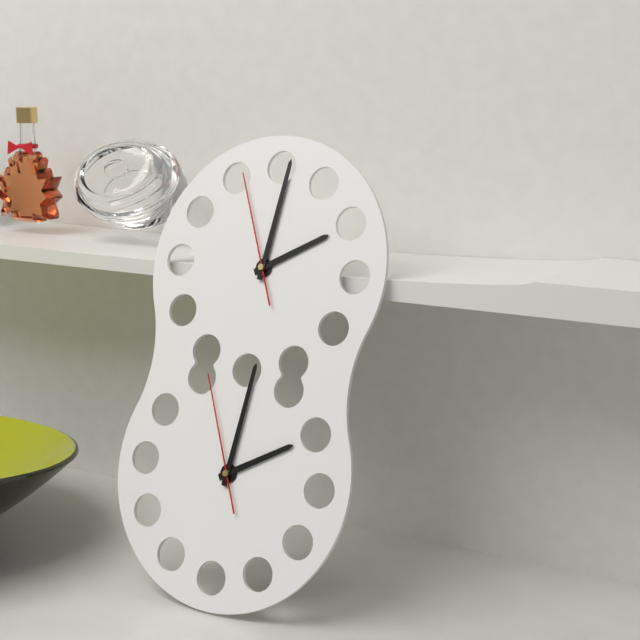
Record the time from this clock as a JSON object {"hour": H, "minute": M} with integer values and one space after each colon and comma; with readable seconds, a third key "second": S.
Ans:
{"hour": 2, "minute": 1, "second": 56}
